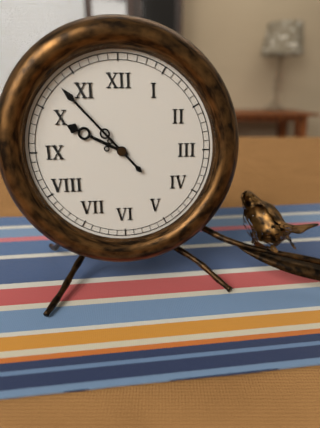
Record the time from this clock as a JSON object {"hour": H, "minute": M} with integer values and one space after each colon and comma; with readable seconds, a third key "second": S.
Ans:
{"hour": 9, "minute": 53}
